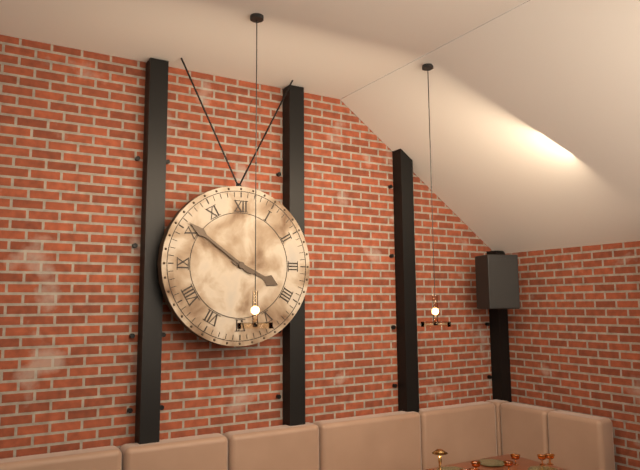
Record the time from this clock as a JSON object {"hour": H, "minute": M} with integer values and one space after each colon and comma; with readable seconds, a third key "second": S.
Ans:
{"hour": 3, "minute": 51}
